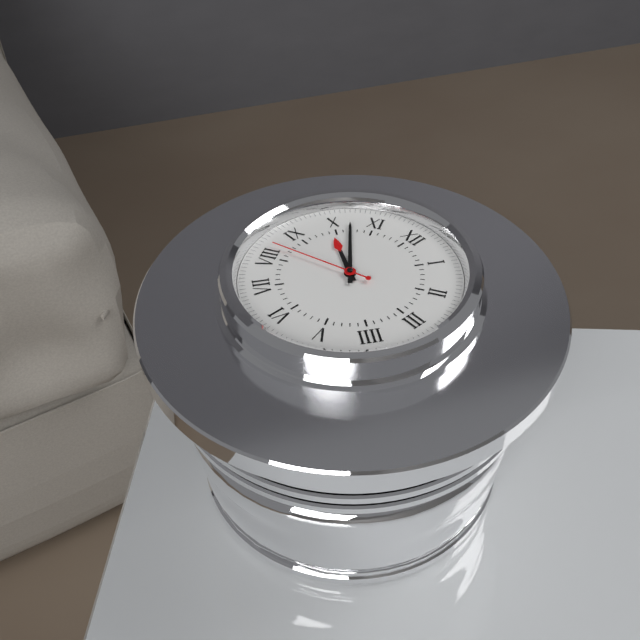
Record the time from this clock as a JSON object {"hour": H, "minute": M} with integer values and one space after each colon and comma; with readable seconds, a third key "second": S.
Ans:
{"hour": 9, "minute": 52, "second": 42}
